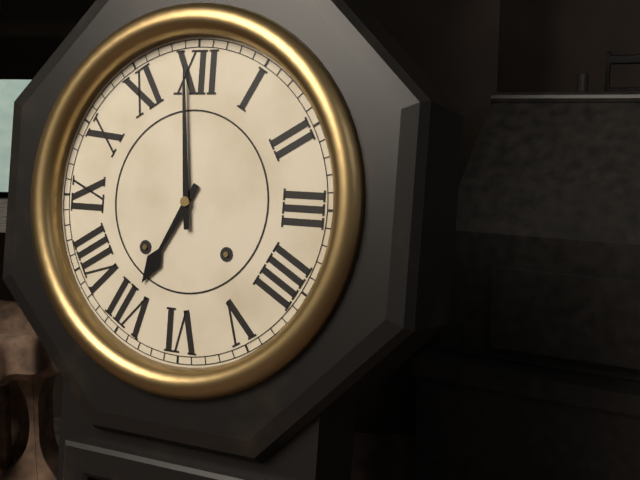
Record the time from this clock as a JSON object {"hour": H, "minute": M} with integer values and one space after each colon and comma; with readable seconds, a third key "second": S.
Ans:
{"hour": 6, "minute": 59}
